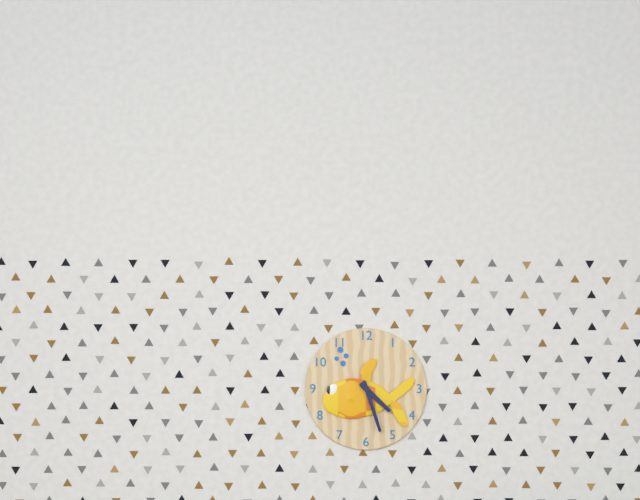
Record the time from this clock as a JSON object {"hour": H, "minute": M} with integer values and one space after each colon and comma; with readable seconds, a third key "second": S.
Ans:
{"hour": 4, "minute": 27}
